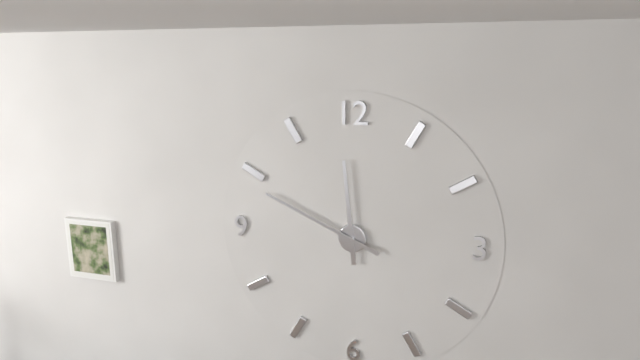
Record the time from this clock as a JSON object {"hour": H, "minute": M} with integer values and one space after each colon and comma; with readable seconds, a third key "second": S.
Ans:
{"hour": 11, "minute": 49}
